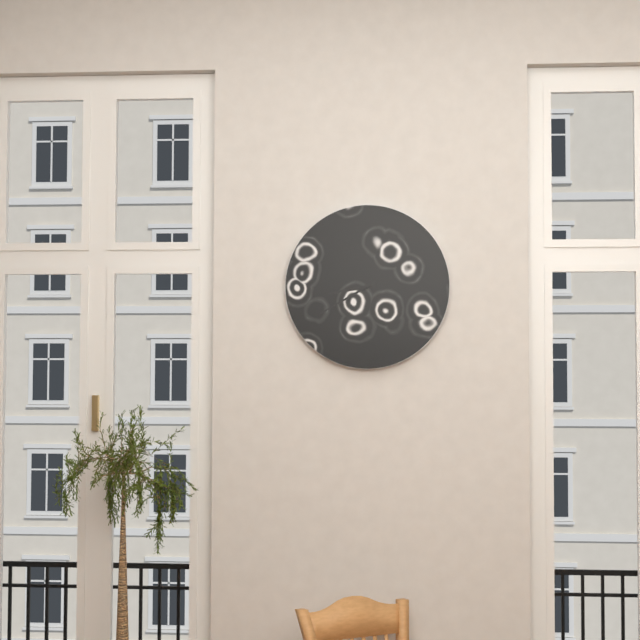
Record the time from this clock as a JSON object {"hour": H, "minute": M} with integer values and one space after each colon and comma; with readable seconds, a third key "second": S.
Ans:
{"hour": 8, "minute": 40}
